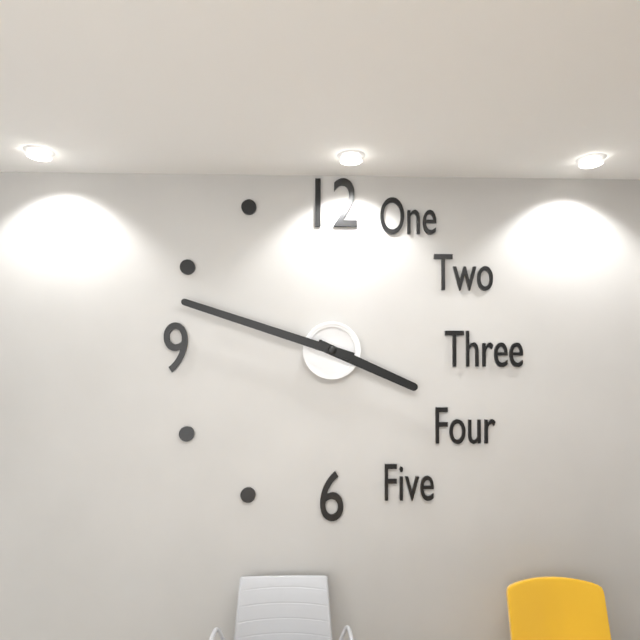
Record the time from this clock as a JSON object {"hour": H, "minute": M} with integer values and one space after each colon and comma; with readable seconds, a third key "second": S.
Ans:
{"hour": 3, "minute": 48}
